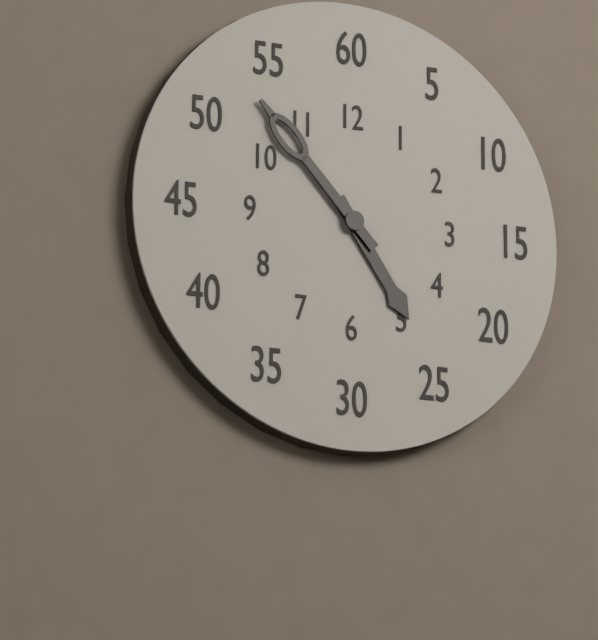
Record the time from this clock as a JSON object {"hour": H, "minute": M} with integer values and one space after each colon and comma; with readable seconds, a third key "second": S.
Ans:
{"hour": 4, "minute": 53}
